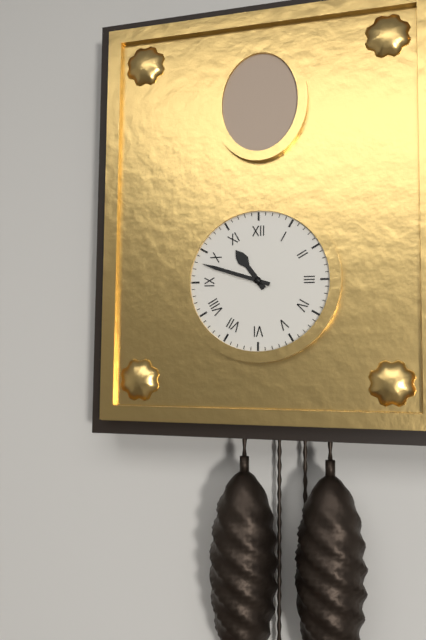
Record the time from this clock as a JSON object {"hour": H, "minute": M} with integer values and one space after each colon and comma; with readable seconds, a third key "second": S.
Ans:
{"hour": 10, "minute": 48}
